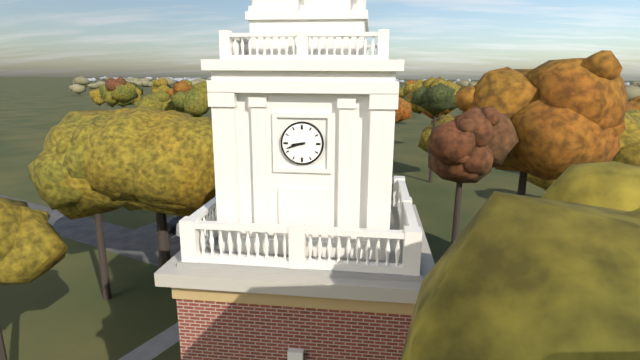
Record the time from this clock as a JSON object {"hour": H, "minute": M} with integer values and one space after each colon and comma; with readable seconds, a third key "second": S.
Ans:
{"hour": 8, "minute": 42}
